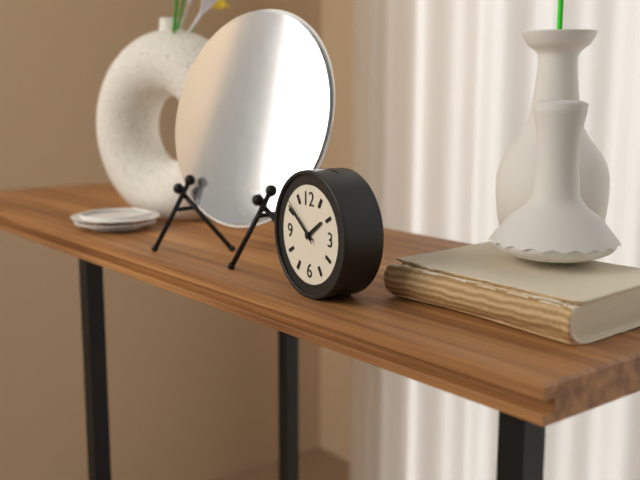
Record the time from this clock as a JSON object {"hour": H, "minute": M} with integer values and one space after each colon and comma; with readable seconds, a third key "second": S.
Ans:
{"hour": 1, "minute": 51}
